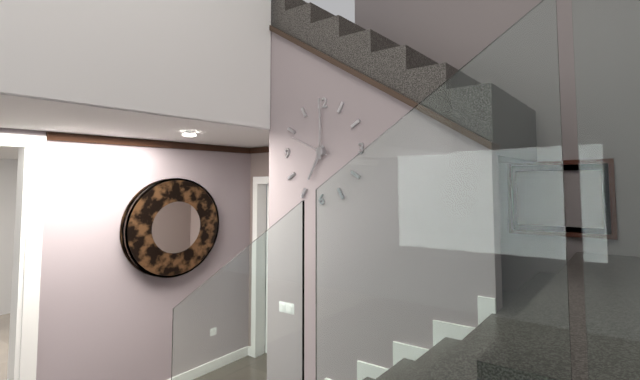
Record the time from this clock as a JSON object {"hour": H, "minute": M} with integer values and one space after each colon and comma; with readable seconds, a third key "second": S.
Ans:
{"hour": 7, "minute": 0}
